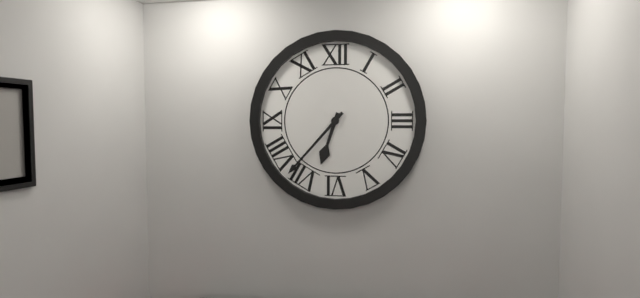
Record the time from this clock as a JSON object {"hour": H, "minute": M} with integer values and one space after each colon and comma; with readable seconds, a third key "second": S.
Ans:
{"hour": 6, "minute": 37}
